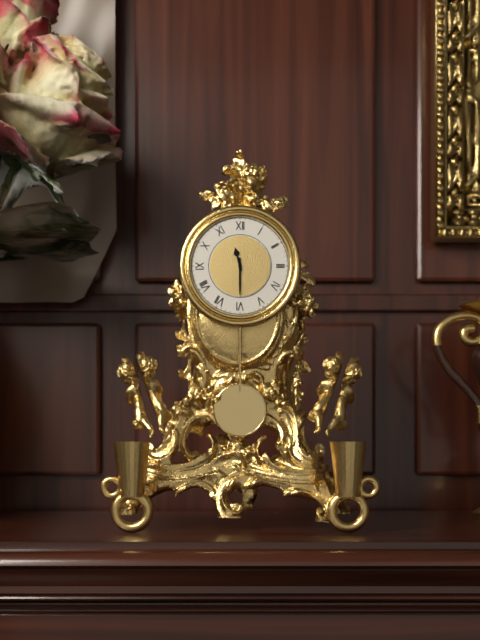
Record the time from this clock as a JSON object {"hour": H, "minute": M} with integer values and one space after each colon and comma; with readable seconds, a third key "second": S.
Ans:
{"hour": 11, "minute": 30}
